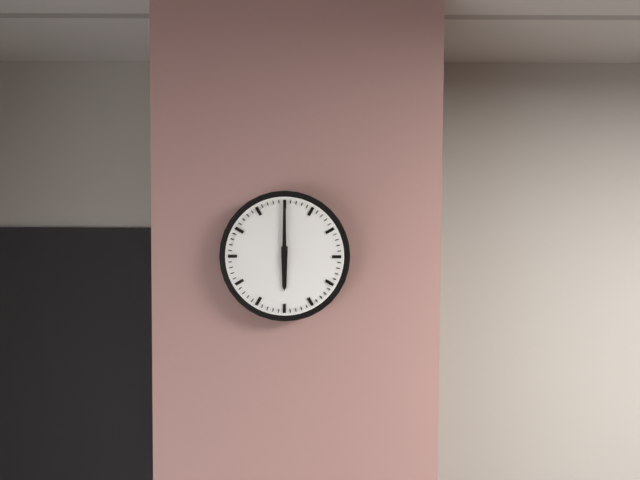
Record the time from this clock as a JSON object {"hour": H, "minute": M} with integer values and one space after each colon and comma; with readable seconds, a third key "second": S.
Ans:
{"hour": 6, "minute": 0}
